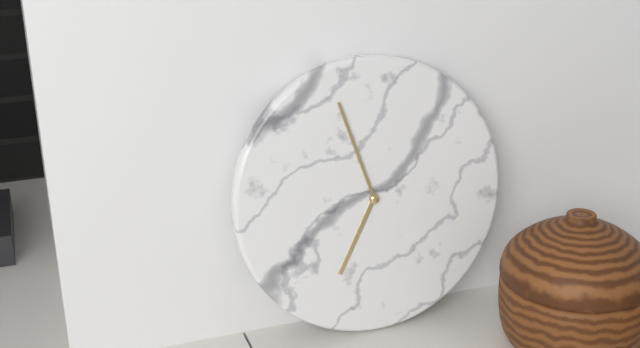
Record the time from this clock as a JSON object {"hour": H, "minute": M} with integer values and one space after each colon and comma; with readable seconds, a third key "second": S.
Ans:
{"hour": 6, "minute": 57}
